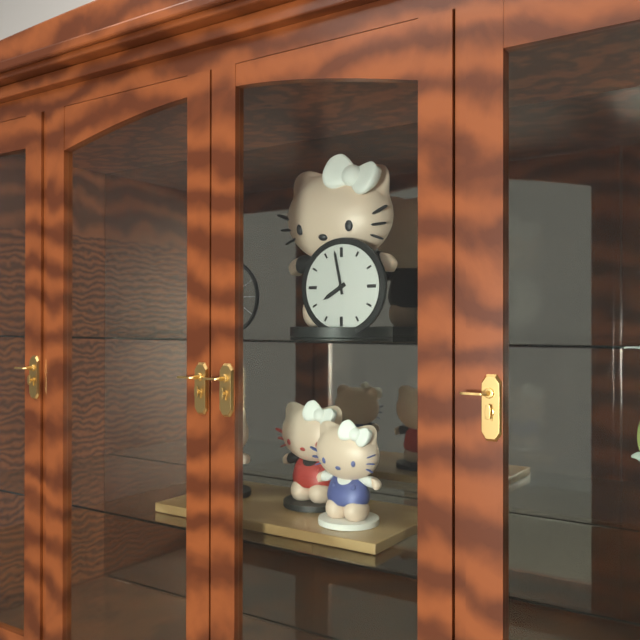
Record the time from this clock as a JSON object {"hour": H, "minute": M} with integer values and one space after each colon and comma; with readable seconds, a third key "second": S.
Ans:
{"hour": 7, "minute": 58}
